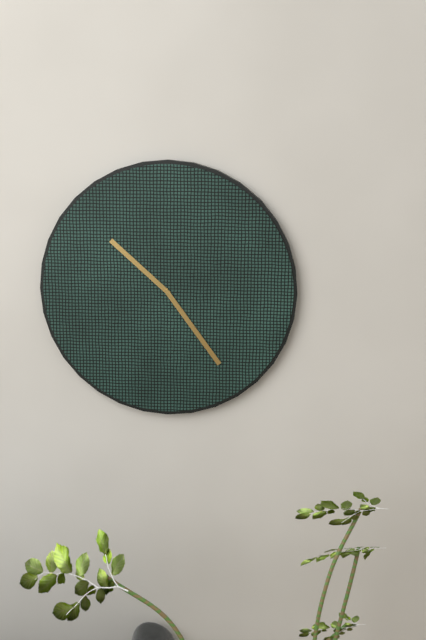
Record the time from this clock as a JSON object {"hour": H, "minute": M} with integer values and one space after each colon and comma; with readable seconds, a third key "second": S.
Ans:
{"hour": 10, "minute": 24}
